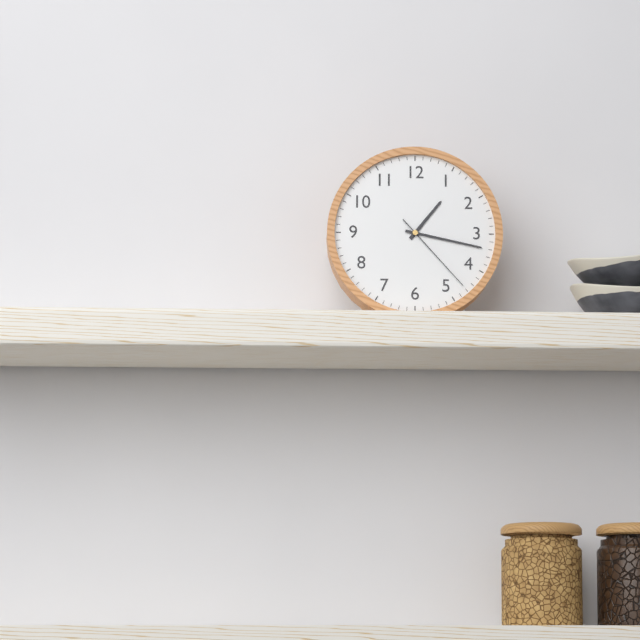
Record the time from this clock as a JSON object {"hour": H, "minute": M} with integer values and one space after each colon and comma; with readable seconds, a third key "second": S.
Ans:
{"hour": 1, "minute": 17, "second": 23}
